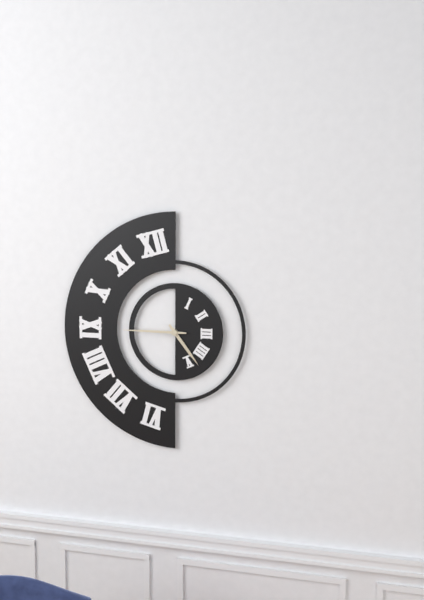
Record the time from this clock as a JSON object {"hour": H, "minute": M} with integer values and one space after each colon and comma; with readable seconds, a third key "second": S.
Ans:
{"hour": 4, "minute": 45}
